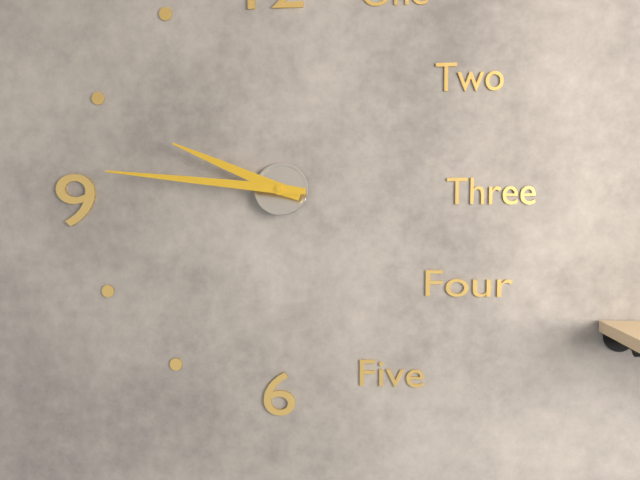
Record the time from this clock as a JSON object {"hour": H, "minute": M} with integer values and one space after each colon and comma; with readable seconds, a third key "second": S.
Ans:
{"hour": 9, "minute": 46}
